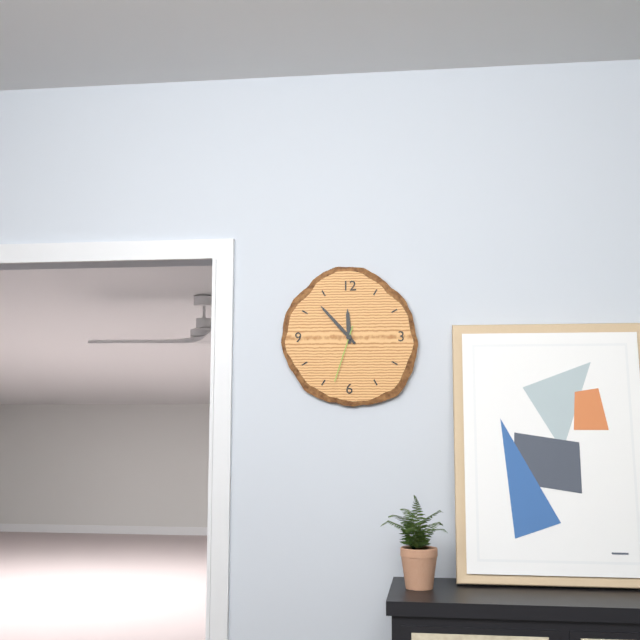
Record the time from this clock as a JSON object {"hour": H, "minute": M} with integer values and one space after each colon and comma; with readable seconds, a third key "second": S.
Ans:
{"hour": 11, "minute": 53, "second": 33}
